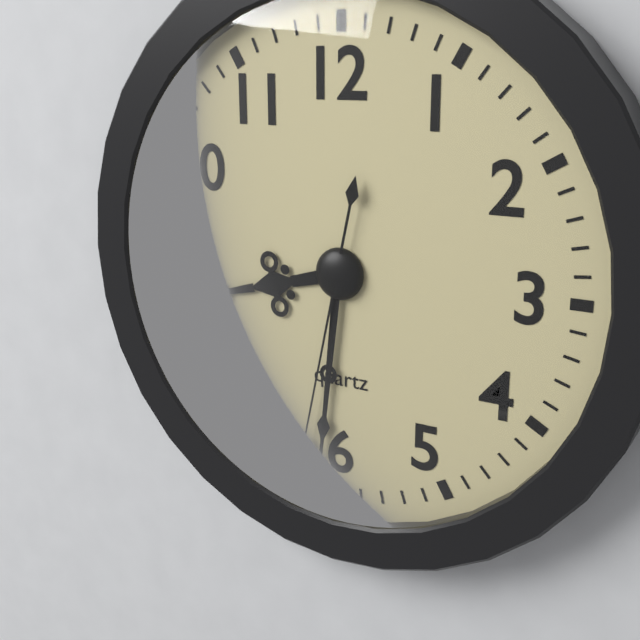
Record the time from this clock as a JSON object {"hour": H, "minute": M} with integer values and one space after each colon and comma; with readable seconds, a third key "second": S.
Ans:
{"hour": 8, "minute": 31, "second": 32}
